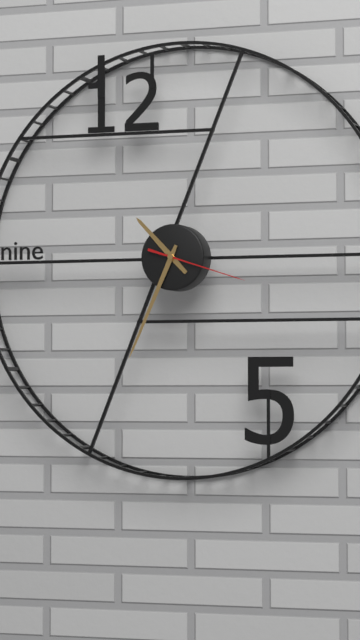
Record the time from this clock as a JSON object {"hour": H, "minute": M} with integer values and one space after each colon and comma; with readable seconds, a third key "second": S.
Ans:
{"hour": 10, "minute": 34, "second": 18}
